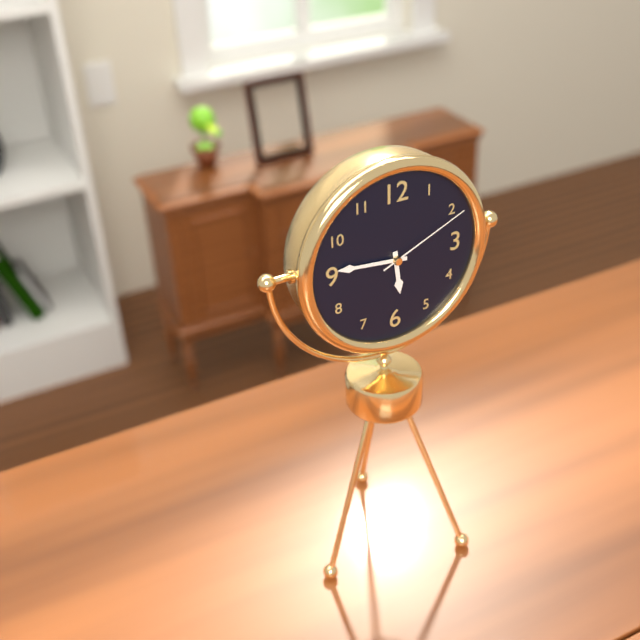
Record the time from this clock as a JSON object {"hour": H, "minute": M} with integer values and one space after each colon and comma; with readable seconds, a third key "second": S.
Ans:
{"hour": 5, "minute": 46, "second": 11}
